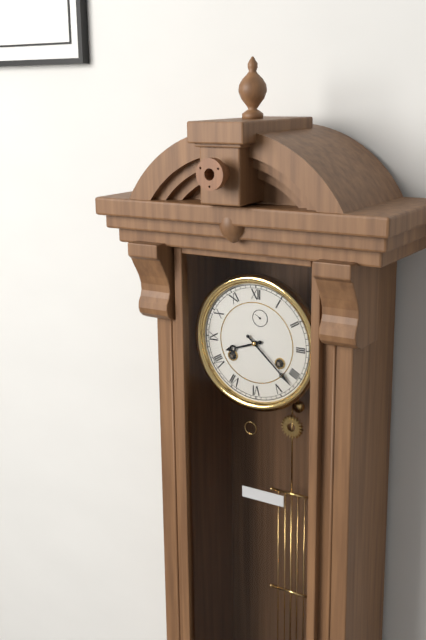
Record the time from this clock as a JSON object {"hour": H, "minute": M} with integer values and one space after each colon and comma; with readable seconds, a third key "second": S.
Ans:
{"hour": 8, "minute": 22}
